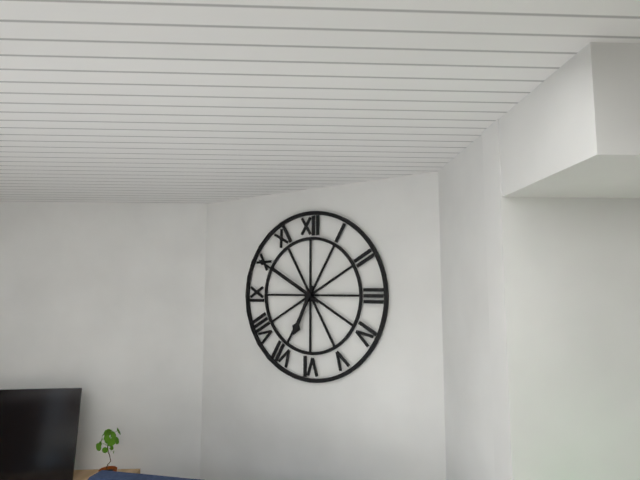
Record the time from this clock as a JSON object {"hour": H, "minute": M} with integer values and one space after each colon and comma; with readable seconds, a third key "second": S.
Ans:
{"hour": 6, "minute": 50}
